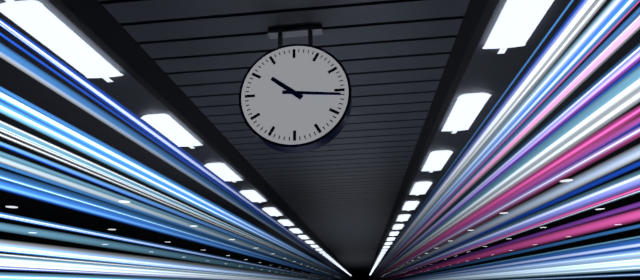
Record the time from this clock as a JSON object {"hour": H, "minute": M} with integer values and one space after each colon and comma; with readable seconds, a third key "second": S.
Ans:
{"hour": 10, "minute": 16}
